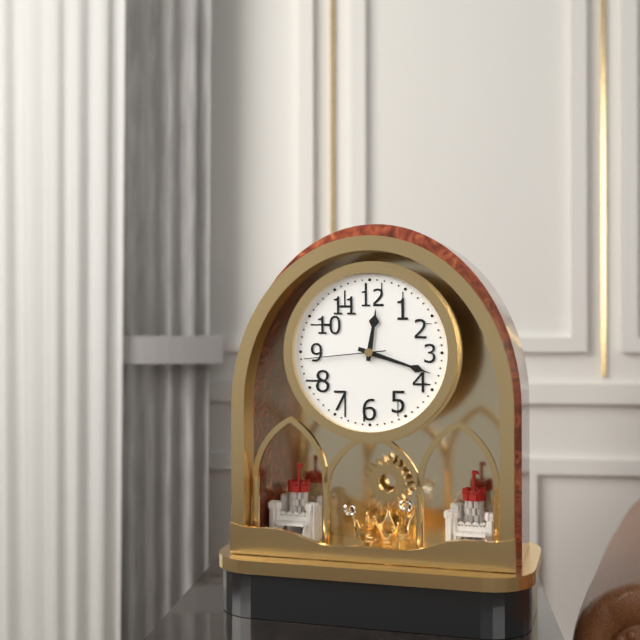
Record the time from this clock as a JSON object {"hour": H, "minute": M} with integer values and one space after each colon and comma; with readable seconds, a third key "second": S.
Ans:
{"hour": 12, "minute": 18, "second": 44}
